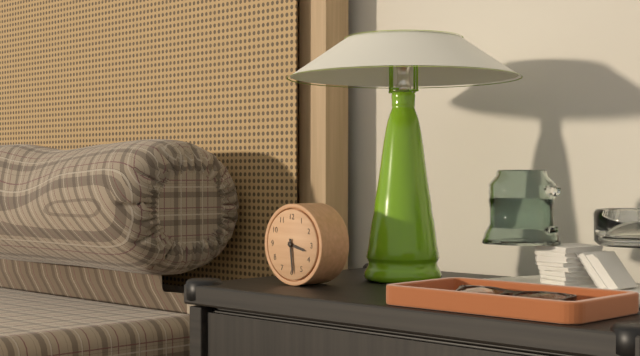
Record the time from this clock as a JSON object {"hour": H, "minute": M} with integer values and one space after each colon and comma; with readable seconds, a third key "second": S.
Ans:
{"hour": 3, "minute": 29}
